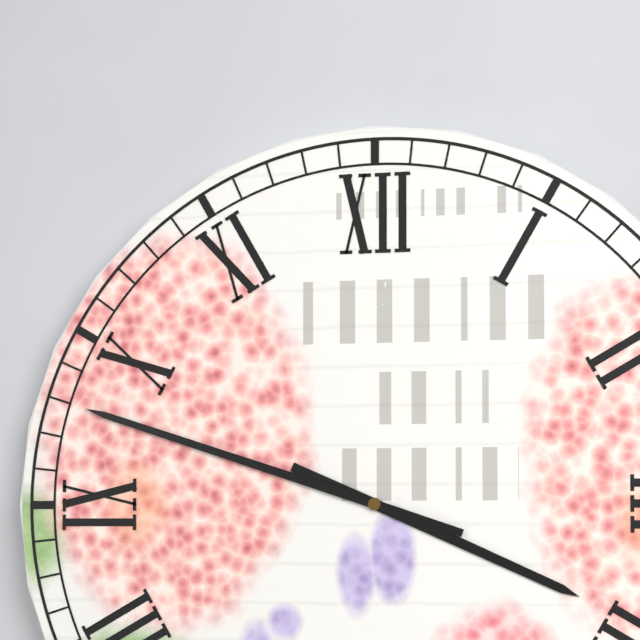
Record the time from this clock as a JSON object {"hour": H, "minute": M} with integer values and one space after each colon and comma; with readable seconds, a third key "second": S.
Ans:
{"hour": 3, "minute": 48}
